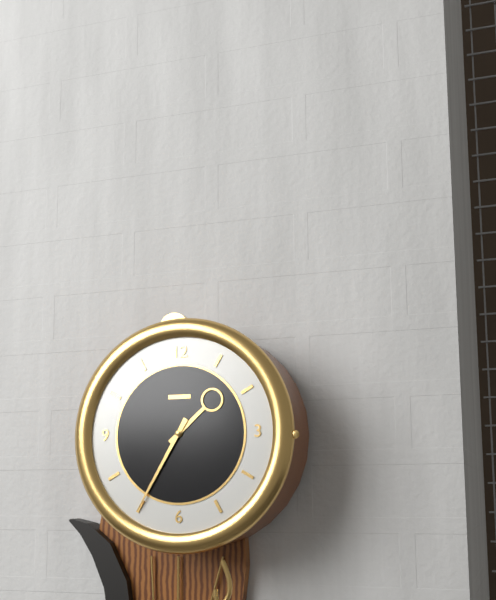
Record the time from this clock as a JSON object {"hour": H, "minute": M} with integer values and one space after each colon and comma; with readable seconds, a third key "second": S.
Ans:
{"hour": 1, "minute": 35}
